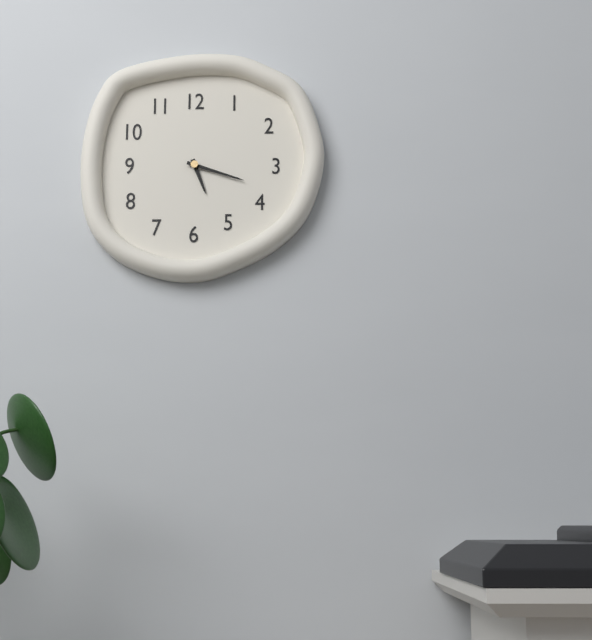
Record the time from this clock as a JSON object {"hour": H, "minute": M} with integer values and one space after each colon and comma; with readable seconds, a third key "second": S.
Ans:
{"hour": 5, "minute": 18}
